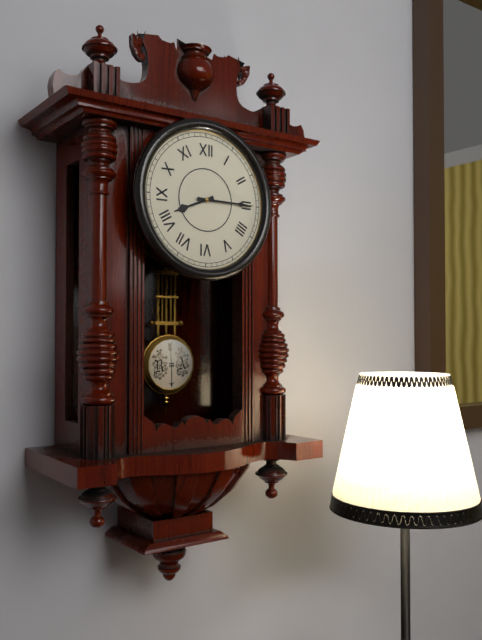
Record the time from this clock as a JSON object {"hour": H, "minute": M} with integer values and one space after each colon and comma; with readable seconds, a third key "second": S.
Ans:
{"hour": 8, "minute": 15}
